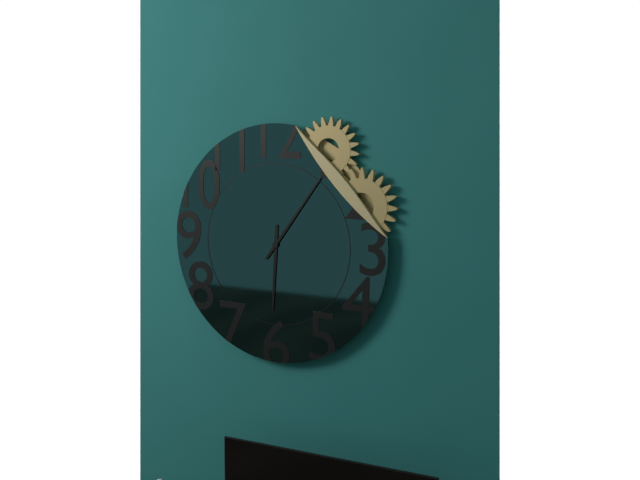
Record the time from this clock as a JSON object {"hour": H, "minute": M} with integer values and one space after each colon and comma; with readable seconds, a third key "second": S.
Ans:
{"hour": 6, "minute": 6}
